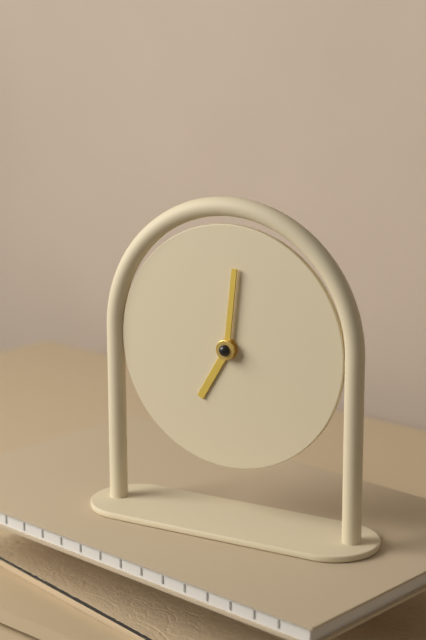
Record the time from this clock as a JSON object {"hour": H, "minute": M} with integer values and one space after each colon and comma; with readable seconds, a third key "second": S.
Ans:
{"hour": 7, "minute": 1}
